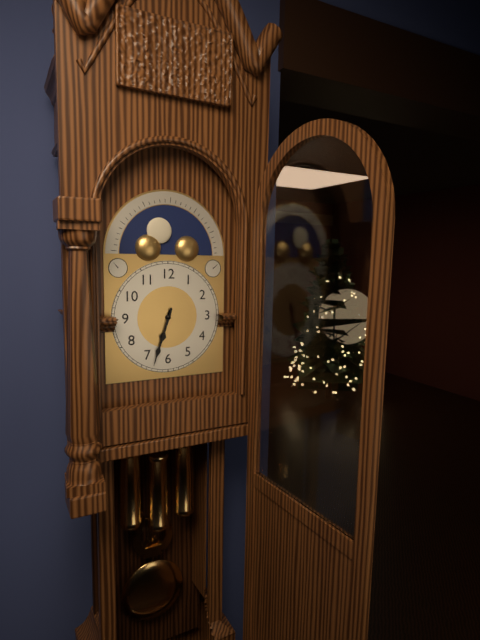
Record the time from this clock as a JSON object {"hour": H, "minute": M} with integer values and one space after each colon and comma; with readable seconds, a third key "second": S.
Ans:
{"hour": 6, "minute": 33}
